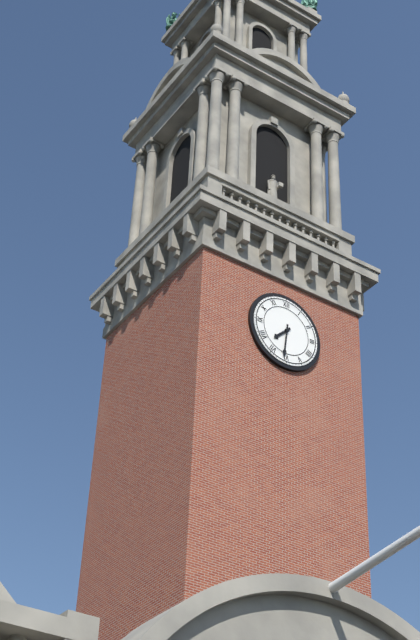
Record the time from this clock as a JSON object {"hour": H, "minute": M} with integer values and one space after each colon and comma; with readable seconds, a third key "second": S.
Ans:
{"hour": 7, "minute": 31}
